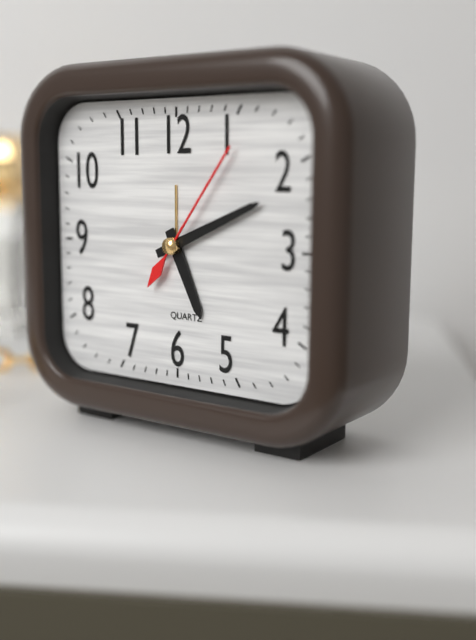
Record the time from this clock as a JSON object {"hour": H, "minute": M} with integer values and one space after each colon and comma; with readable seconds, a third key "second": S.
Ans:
{"hour": 5, "minute": 11, "second": 6}
